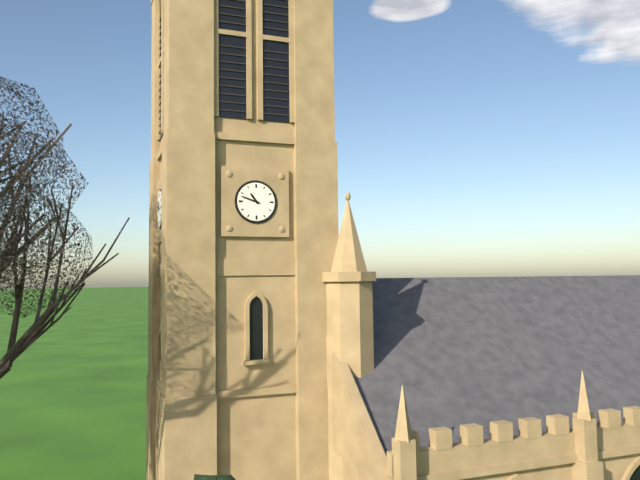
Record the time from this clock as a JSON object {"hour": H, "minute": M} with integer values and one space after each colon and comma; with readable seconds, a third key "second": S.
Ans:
{"hour": 10, "minute": 48}
